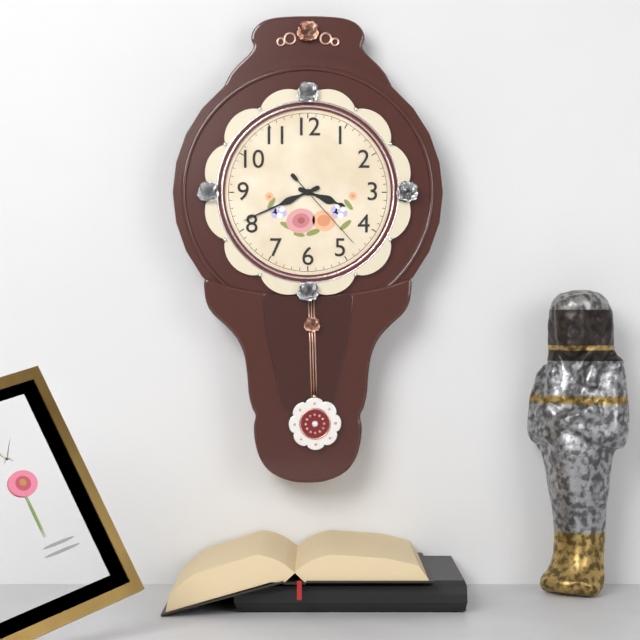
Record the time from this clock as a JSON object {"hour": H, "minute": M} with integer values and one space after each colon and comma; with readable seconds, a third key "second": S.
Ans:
{"hour": 3, "minute": 41, "second": 23}
